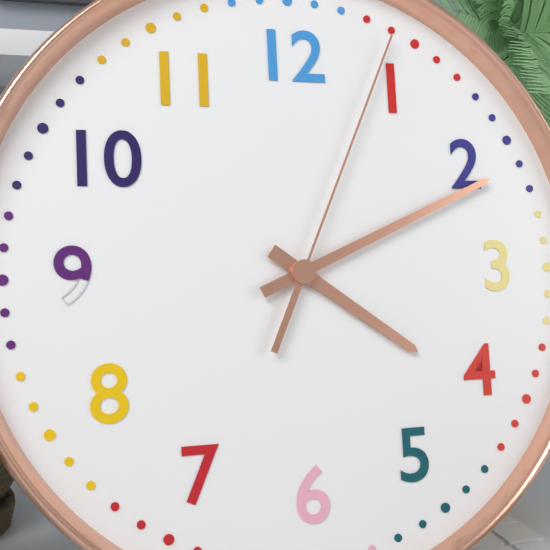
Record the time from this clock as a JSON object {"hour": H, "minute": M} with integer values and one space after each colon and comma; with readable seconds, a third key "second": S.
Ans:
{"hour": 4, "minute": 11, "second": 4}
